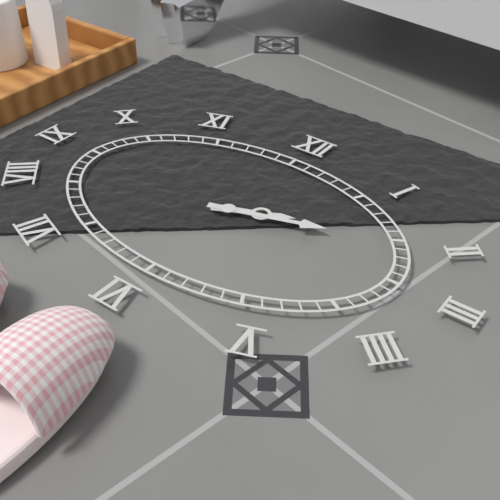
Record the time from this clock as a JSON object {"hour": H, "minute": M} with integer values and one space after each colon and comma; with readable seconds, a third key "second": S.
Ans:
{"hour": 2, "minute": 12}
